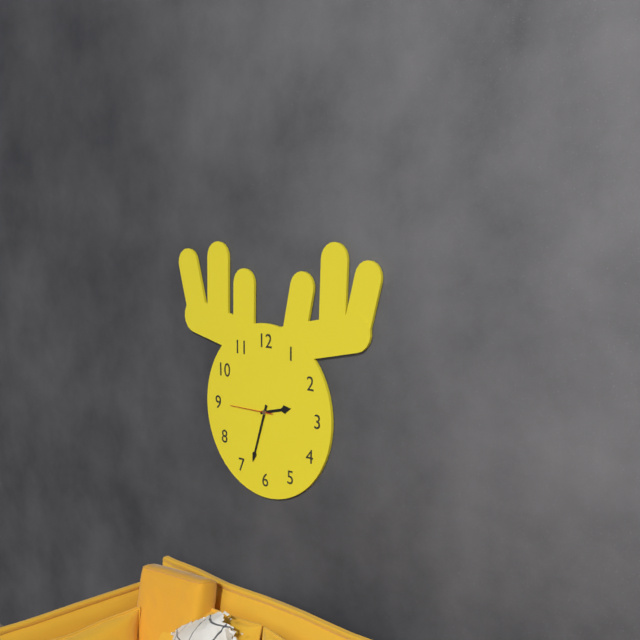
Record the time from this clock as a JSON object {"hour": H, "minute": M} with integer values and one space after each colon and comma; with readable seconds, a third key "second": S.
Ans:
{"hour": 2, "minute": 33}
